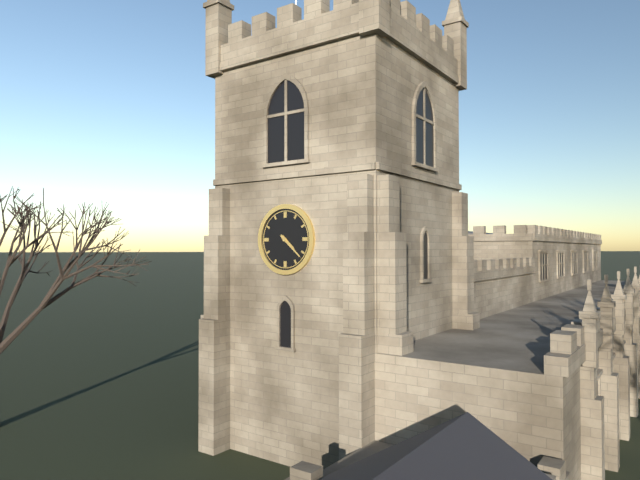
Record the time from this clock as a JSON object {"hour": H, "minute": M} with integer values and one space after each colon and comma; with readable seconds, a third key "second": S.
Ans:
{"hour": 4, "minute": 22}
